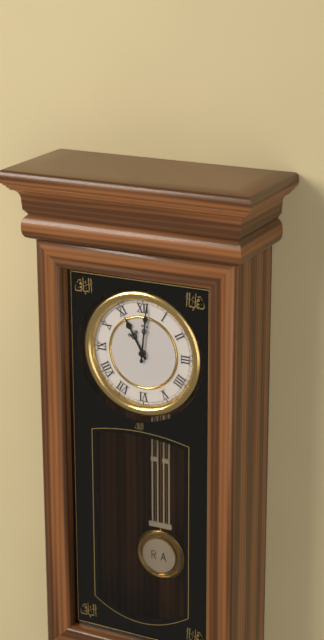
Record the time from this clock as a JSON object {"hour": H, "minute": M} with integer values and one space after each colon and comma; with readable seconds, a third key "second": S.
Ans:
{"hour": 11, "minute": 1}
